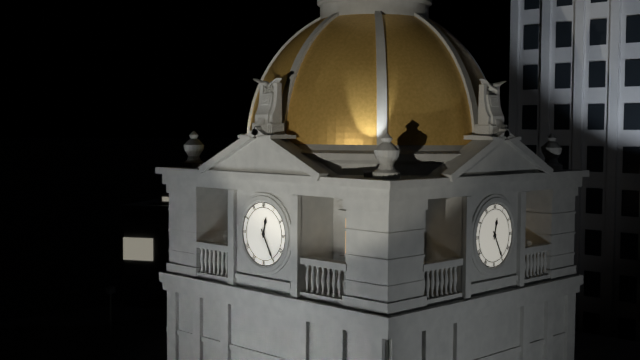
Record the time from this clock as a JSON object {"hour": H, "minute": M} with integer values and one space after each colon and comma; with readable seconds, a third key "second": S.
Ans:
{"hour": 12, "minute": 25}
